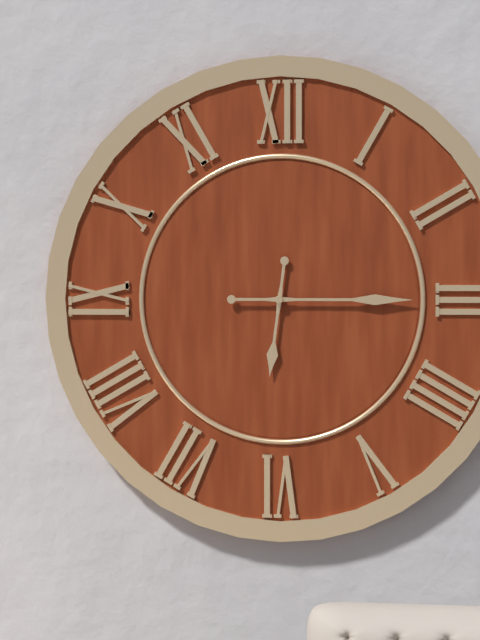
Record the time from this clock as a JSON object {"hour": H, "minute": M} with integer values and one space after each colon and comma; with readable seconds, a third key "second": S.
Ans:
{"hour": 6, "minute": 15}
